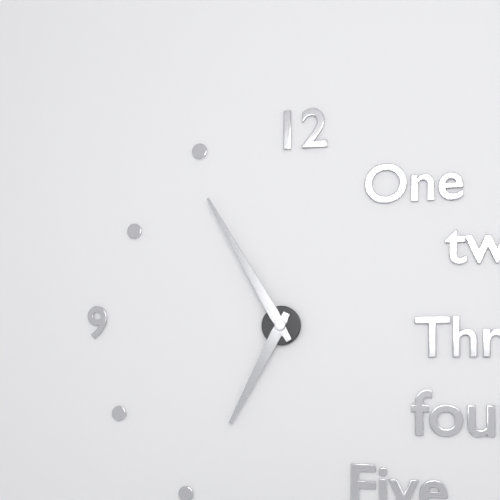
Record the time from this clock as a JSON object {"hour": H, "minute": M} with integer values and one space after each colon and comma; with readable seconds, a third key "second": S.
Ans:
{"hour": 6, "minute": 55}
